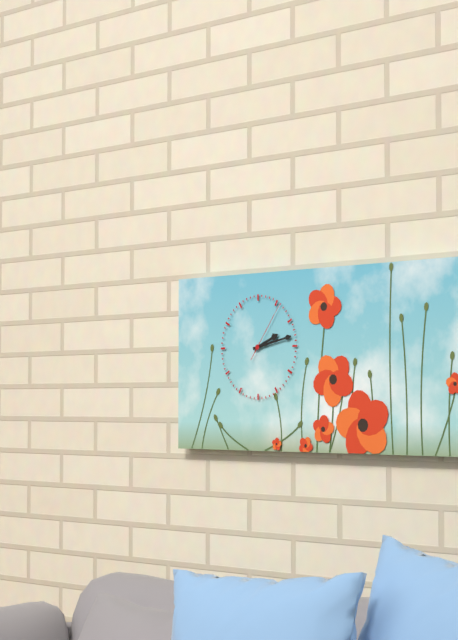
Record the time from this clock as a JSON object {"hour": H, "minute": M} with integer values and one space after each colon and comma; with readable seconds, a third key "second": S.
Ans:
{"hour": 2, "minute": 13, "second": 6}
